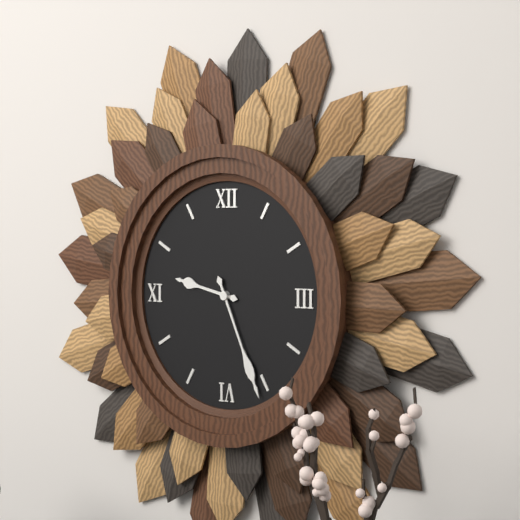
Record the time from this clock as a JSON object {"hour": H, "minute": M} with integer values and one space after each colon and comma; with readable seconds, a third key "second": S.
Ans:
{"hour": 9, "minute": 26}
